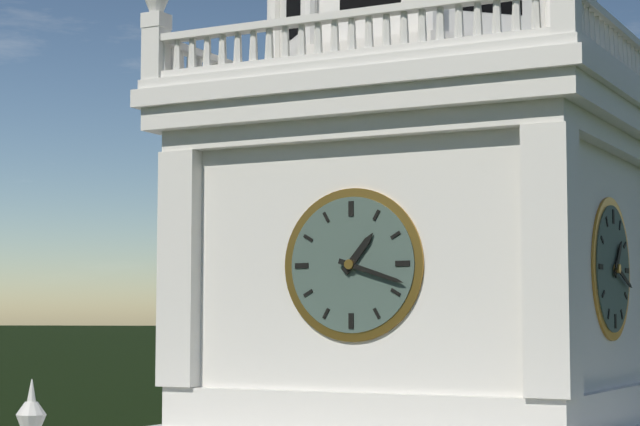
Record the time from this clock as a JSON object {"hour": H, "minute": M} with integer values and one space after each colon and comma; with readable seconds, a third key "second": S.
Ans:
{"hour": 1, "minute": 18}
